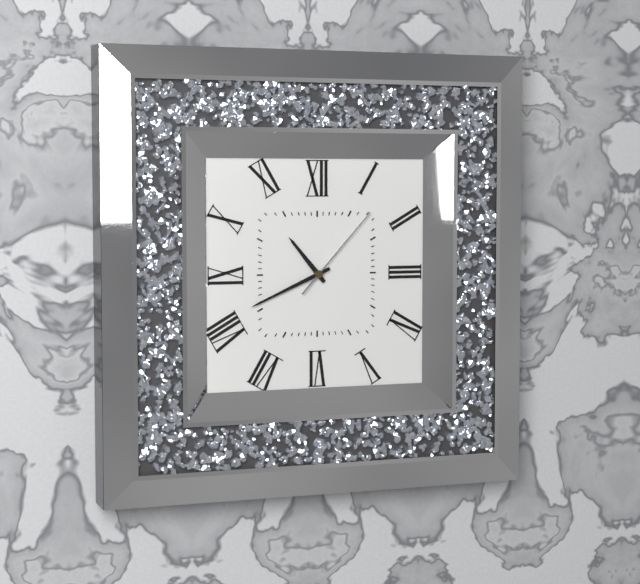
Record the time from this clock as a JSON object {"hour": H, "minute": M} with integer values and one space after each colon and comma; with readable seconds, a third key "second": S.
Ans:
{"hour": 10, "minute": 41, "second": 7}
